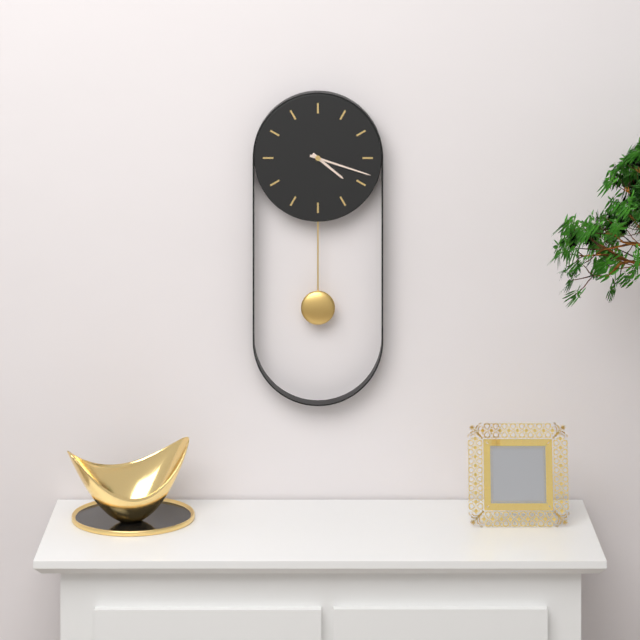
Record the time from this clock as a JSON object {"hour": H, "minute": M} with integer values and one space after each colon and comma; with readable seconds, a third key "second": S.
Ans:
{"hour": 4, "minute": 18}
